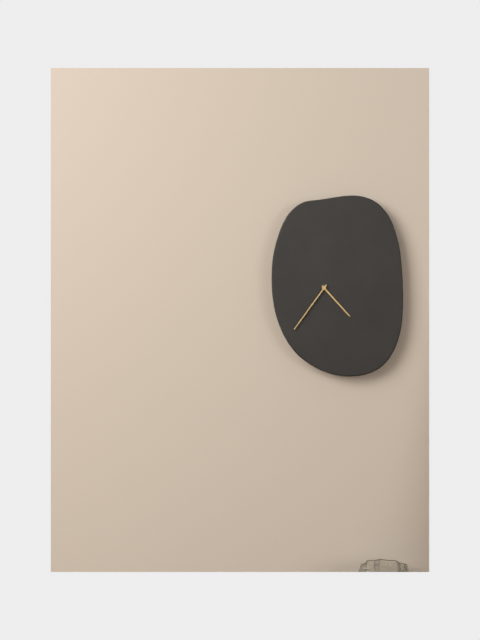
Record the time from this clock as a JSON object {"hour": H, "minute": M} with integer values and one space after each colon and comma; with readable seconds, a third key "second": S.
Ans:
{"hour": 4, "minute": 36}
